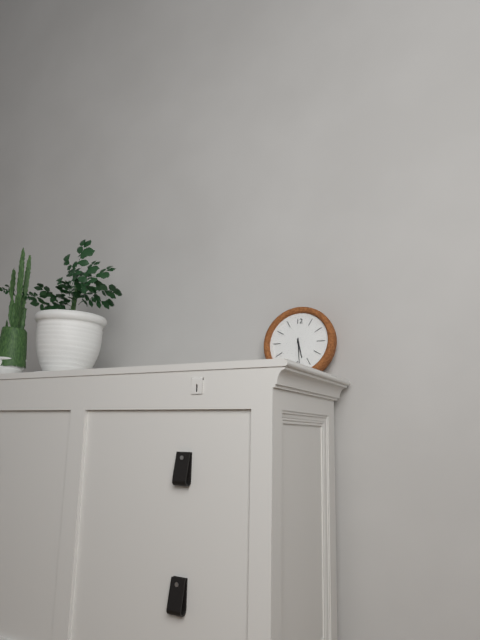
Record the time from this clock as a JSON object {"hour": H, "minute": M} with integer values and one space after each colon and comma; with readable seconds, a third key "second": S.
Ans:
{"hour": 5, "minute": 29}
